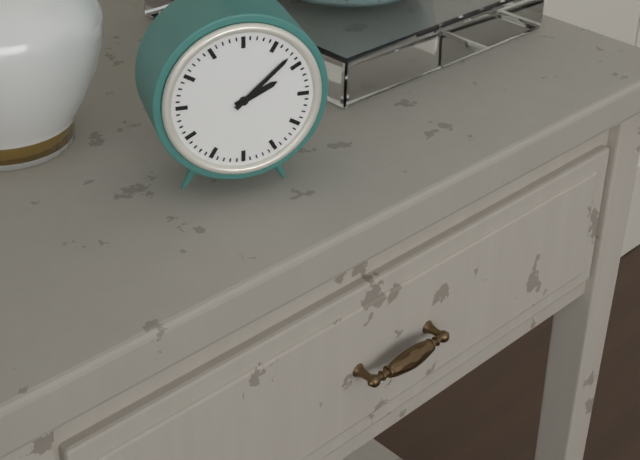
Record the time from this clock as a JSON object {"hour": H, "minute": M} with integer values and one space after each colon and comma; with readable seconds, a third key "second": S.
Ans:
{"hour": 2, "minute": 8}
